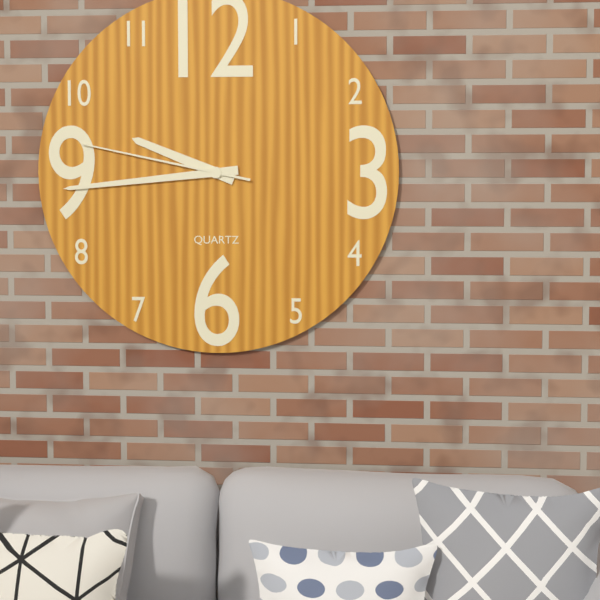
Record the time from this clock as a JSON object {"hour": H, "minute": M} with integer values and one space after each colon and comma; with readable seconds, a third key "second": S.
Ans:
{"hour": 9, "minute": 44, "second": 47}
